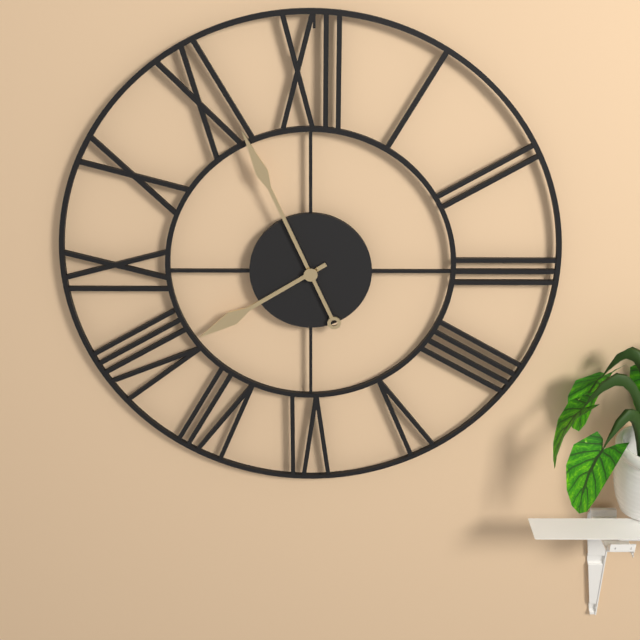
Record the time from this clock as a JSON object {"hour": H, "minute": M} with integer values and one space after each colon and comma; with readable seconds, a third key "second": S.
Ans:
{"hour": 7, "minute": 56}
